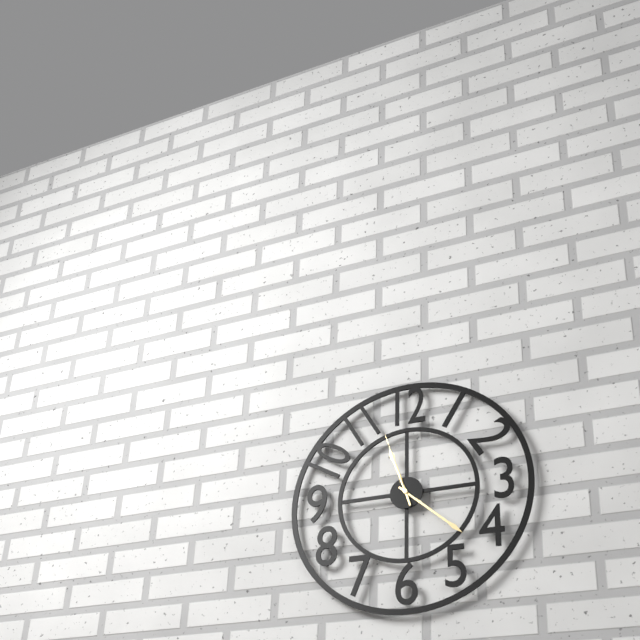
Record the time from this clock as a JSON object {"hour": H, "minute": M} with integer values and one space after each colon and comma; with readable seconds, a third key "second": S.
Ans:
{"hour": 11, "minute": 22, "second": 57}
